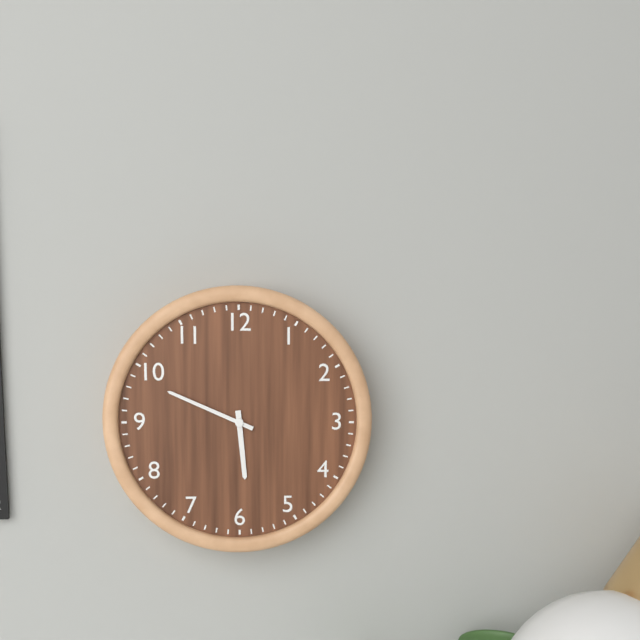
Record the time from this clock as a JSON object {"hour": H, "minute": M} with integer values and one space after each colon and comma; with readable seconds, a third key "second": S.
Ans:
{"hour": 5, "minute": 49}
